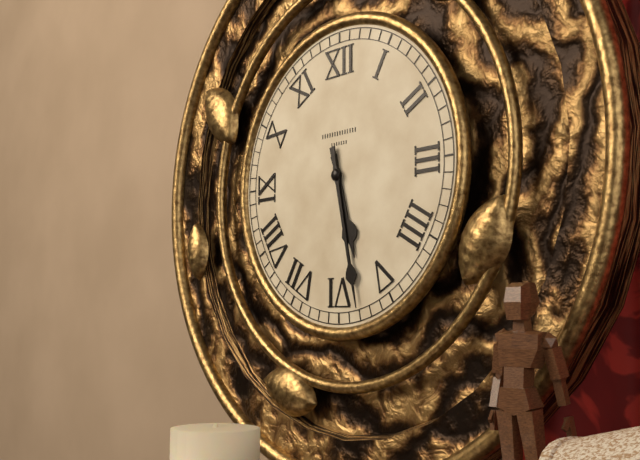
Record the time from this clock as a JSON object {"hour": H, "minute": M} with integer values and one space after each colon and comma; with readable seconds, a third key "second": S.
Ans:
{"hour": 5, "minute": 28}
